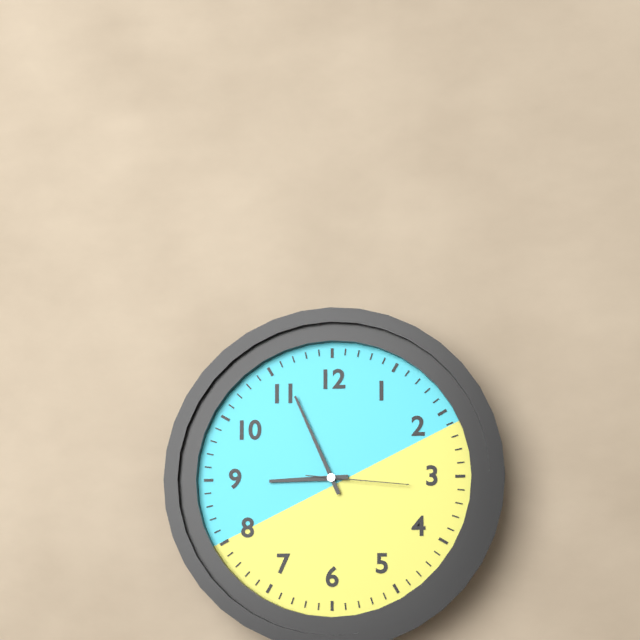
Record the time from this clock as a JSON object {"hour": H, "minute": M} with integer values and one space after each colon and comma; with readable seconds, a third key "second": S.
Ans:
{"hour": 8, "minute": 56, "second": 16}
